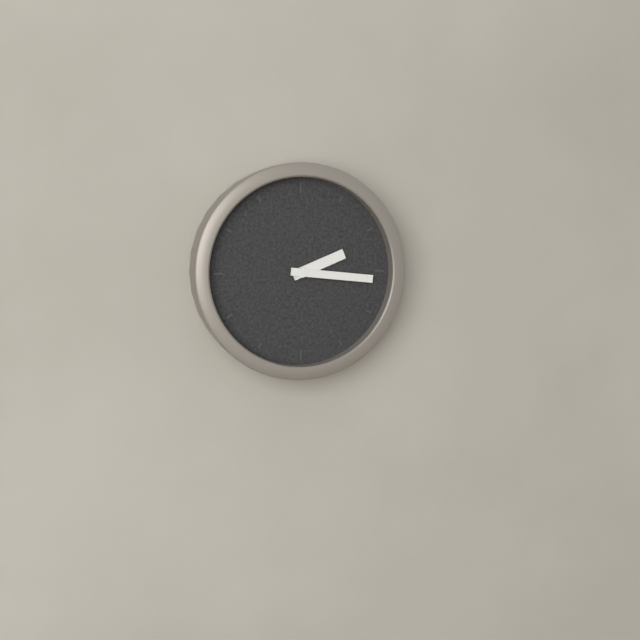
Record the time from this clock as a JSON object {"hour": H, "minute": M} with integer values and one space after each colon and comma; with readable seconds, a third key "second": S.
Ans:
{"hour": 2, "minute": 16}
